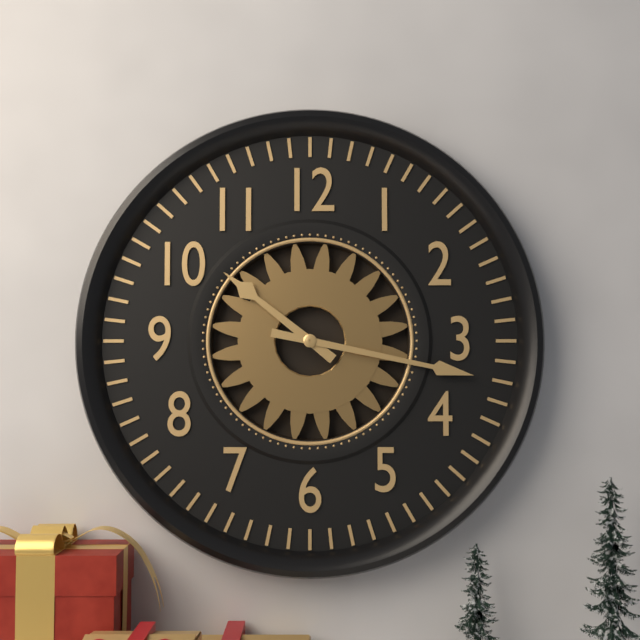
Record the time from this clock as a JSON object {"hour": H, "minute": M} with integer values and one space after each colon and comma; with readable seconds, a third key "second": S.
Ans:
{"hour": 10, "minute": 17}
